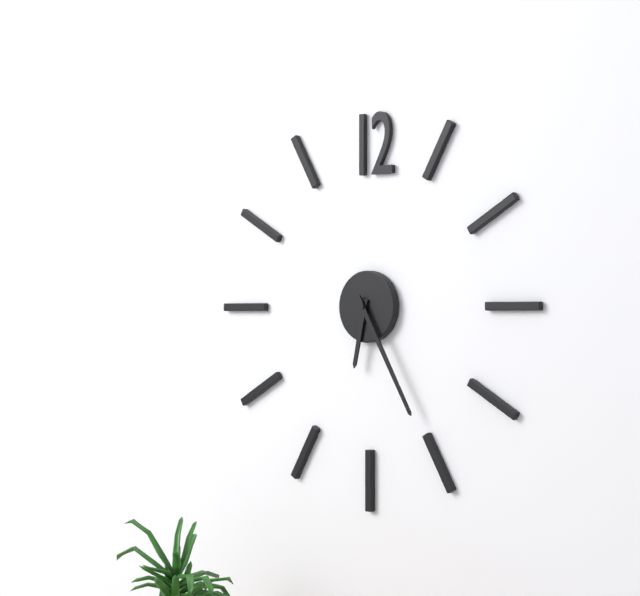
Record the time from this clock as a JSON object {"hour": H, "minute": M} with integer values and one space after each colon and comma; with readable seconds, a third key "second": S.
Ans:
{"hour": 6, "minute": 25}
